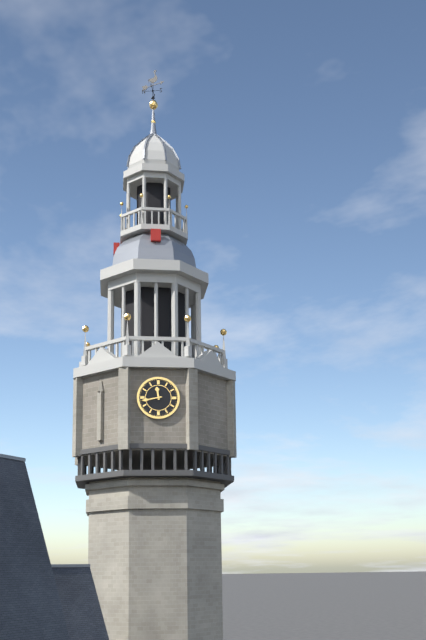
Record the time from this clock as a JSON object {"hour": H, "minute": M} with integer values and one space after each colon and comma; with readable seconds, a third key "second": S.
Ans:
{"hour": 11, "minute": 43}
